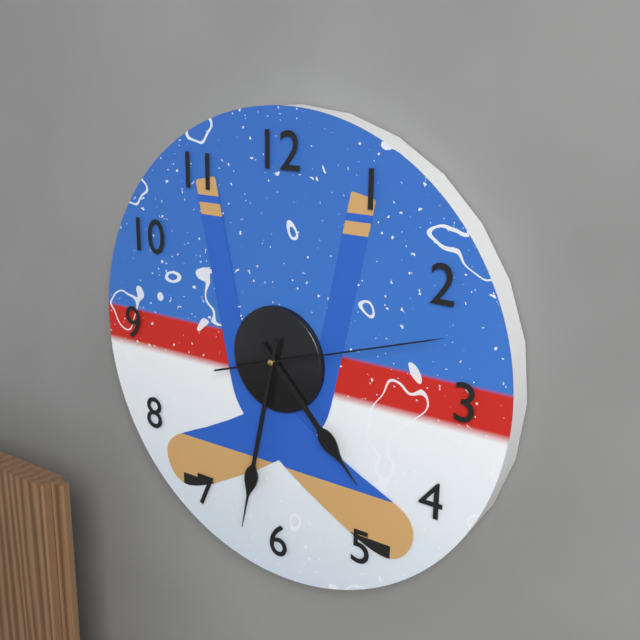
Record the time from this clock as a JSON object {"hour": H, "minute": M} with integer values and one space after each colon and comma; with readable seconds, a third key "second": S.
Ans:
{"hour": 4, "minute": 32, "second": 12}
